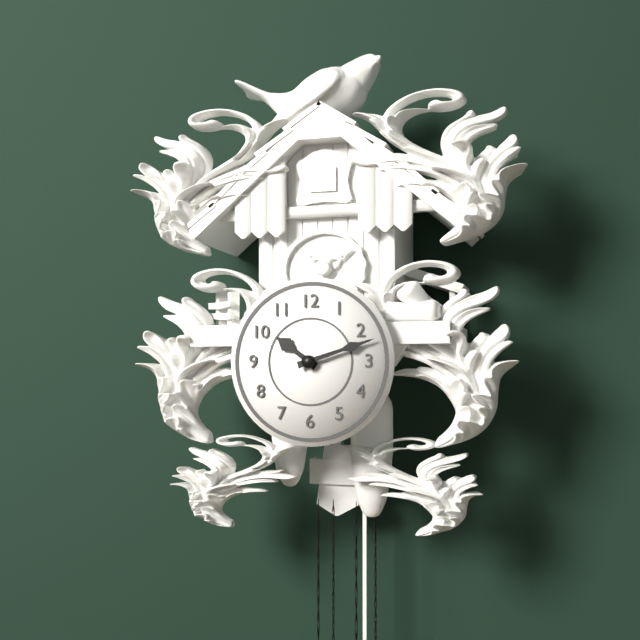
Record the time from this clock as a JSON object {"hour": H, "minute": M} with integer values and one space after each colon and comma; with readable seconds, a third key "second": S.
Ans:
{"hour": 10, "minute": 12}
